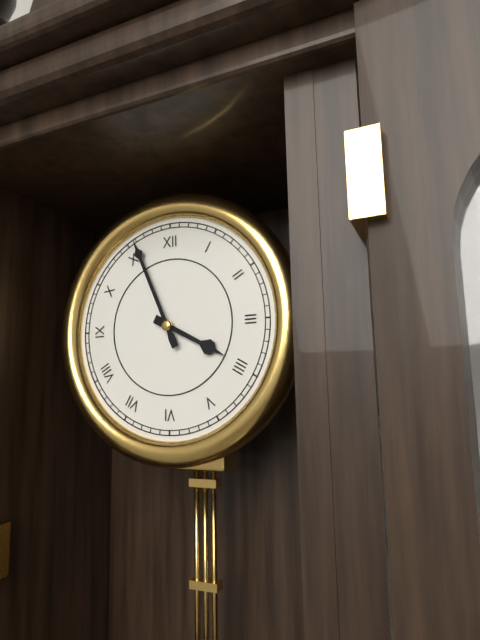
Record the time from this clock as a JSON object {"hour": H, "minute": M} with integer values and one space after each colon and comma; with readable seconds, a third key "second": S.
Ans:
{"hour": 3, "minute": 56}
